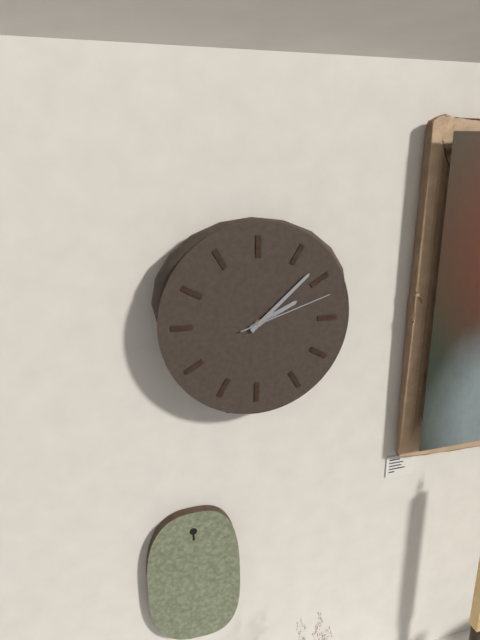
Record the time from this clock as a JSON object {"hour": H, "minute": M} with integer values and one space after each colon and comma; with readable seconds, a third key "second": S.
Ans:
{"hour": 2, "minute": 8, "second": 12}
